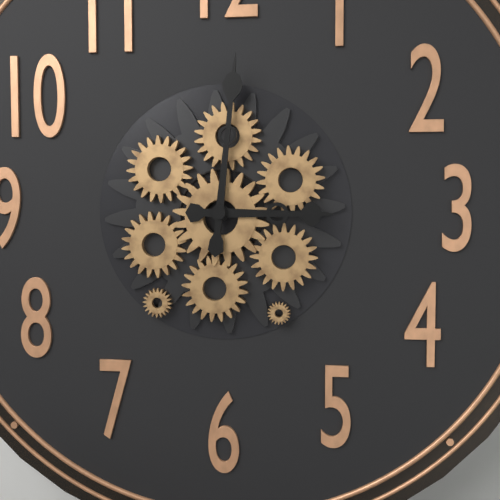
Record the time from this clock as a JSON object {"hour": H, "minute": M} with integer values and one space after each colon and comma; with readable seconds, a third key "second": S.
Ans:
{"hour": 3, "minute": 1}
